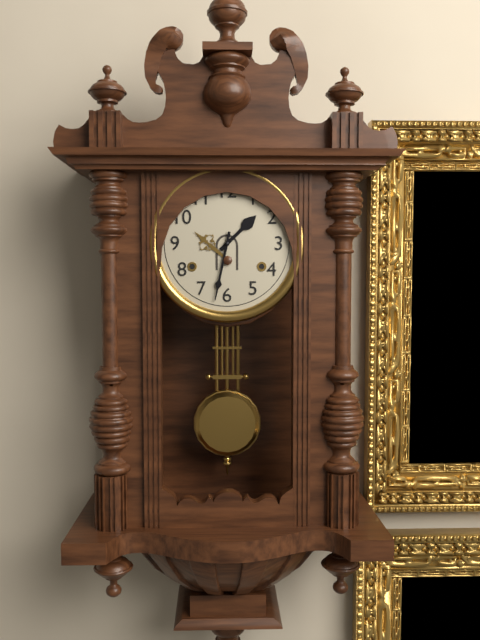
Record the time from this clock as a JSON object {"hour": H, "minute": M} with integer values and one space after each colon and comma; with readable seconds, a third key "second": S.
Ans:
{"hour": 1, "minute": 32}
